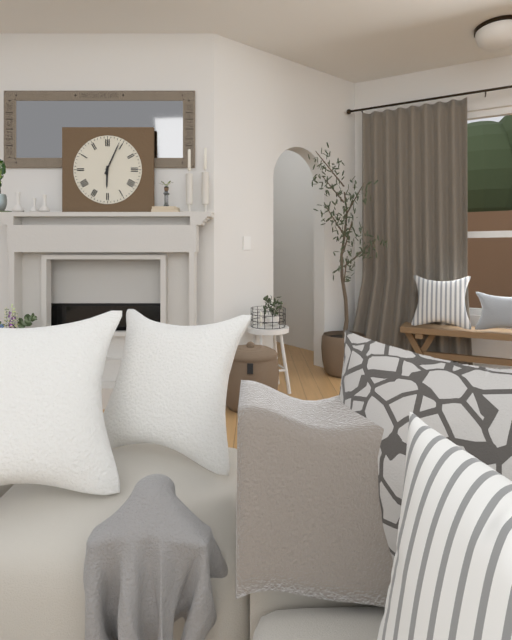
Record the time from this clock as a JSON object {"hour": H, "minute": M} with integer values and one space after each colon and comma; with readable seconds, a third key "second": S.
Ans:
{"hour": 6, "minute": 4}
